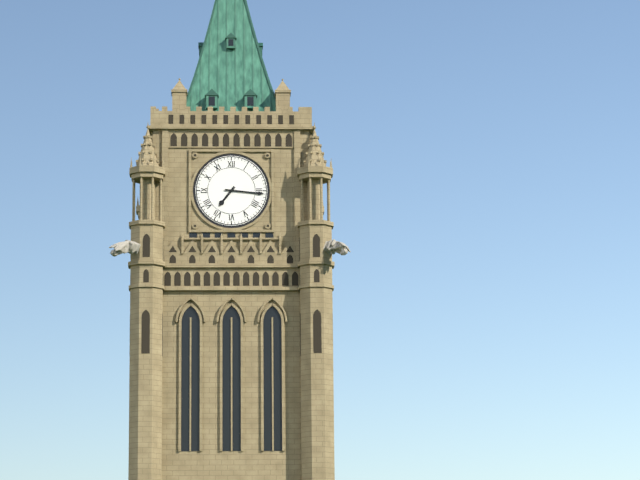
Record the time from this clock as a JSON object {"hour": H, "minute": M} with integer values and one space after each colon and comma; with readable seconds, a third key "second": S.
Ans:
{"hour": 7, "minute": 16}
